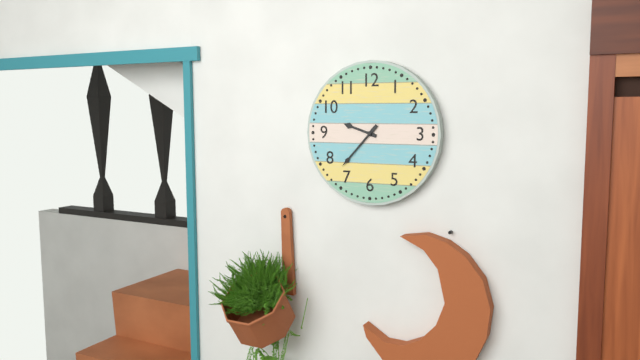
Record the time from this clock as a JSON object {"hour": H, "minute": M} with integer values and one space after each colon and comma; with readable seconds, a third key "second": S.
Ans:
{"hour": 9, "minute": 37}
